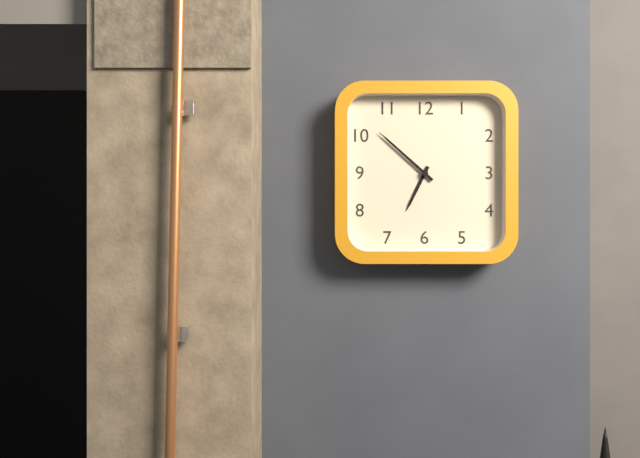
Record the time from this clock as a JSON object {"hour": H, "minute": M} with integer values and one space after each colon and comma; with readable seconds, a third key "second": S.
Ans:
{"hour": 6, "minute": 52}
